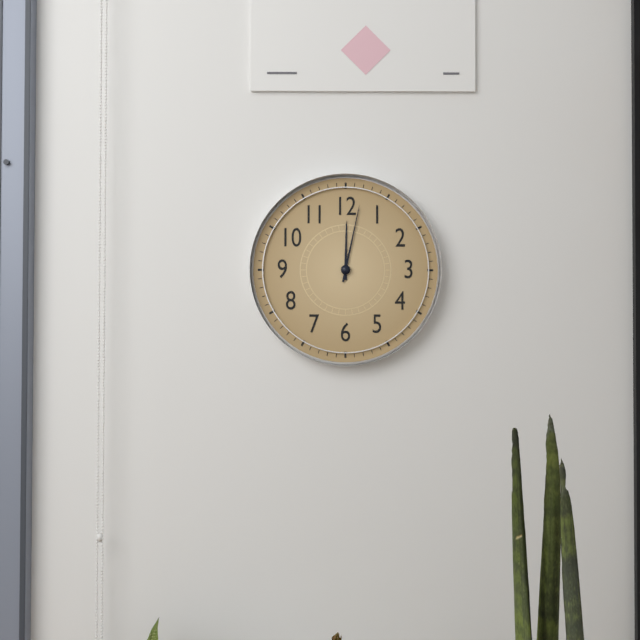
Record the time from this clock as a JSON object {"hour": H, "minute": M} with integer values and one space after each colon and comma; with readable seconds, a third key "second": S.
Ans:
{"hour": 12, "minute": 2}
